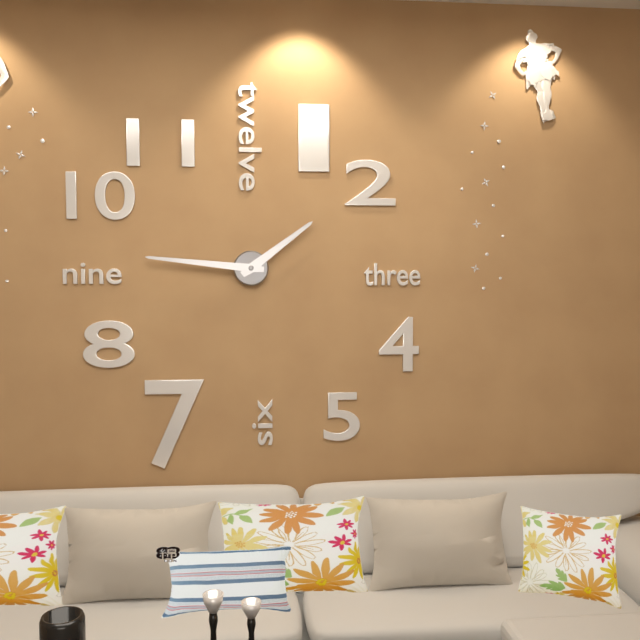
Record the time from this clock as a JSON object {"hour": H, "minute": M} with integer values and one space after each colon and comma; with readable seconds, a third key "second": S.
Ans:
{"hour": 1, "minute": 46}
